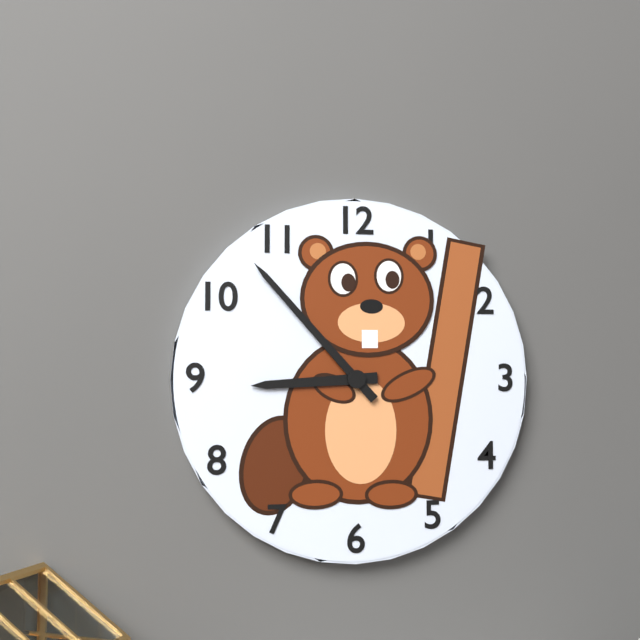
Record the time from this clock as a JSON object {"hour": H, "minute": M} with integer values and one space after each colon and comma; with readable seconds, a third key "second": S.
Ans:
{"hour": 8, "minute": 53}
